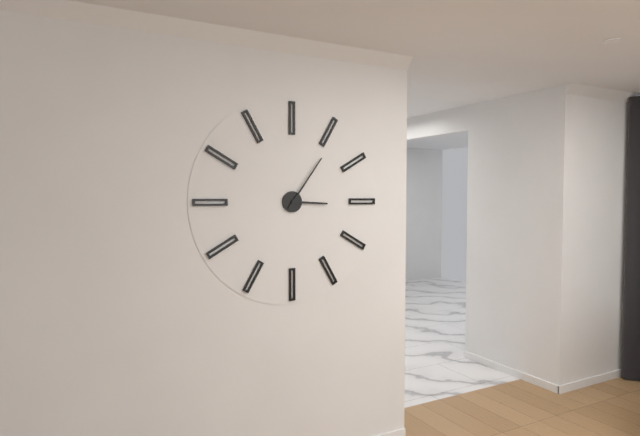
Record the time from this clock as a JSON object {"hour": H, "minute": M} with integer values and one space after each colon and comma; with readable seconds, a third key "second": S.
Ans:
{"hour": 3, "minute": 6}
